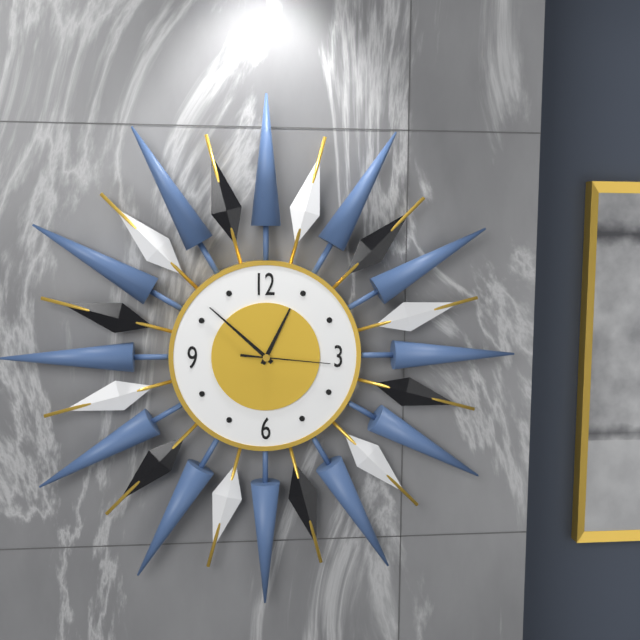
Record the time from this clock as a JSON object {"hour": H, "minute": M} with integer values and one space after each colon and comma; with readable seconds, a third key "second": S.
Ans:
{"hour": 12, "minute": 52, "second": 16}
